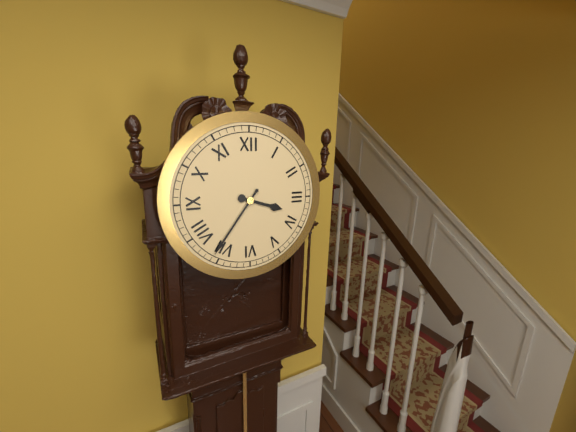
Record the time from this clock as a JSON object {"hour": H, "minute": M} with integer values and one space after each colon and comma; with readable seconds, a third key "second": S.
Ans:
{"hour": 3, "minute": 36}
